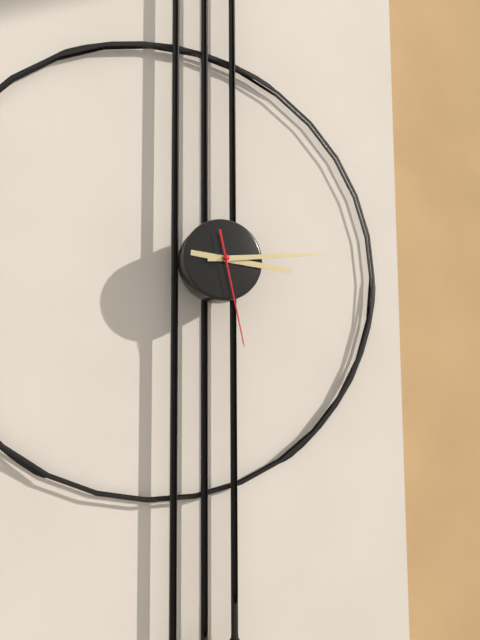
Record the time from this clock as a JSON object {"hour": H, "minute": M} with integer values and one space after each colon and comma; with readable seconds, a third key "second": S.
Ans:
{"hour": 3, "minute": 14, "second": 28}
